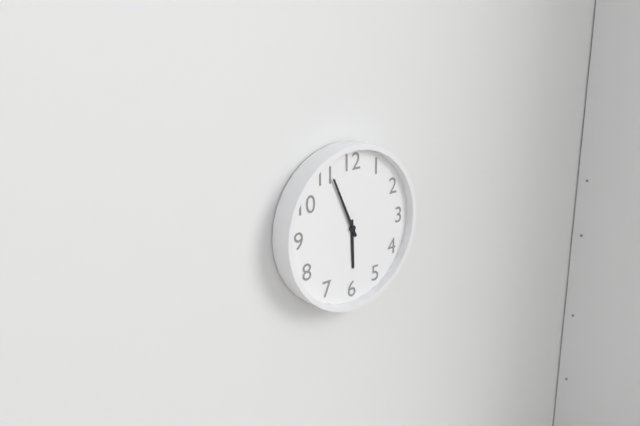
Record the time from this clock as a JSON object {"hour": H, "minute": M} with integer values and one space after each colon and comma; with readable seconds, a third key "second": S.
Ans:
{"hour": 5, "minute": 56}
